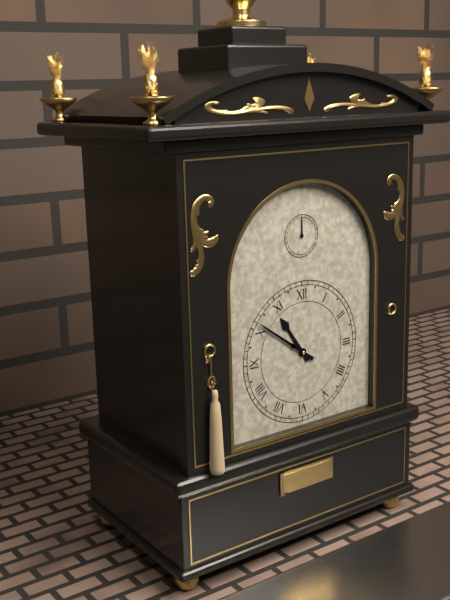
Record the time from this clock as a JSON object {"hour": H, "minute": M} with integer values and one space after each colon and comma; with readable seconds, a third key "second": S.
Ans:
{"hour": 10, "minute": 51}
